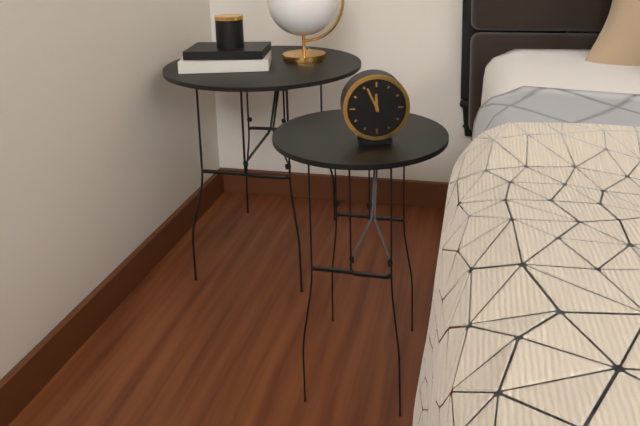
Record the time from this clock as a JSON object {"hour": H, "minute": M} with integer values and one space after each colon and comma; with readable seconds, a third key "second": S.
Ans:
{"hour": 11, "minute": 56}
